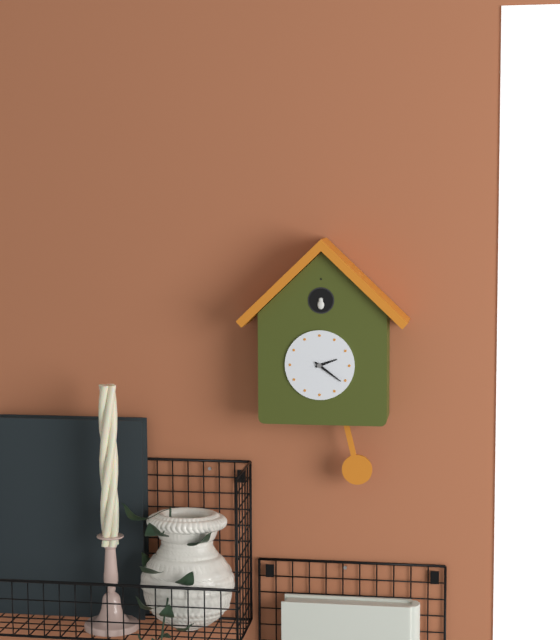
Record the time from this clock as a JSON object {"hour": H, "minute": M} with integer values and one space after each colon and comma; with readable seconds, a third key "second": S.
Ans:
{"hour": 2, "minute": 21}
